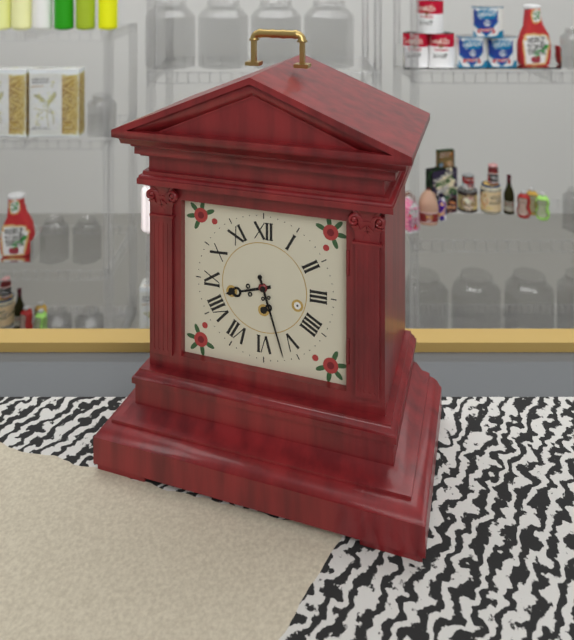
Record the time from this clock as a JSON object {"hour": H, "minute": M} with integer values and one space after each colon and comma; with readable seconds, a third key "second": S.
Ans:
{"hour": 8, "minute": 27}
